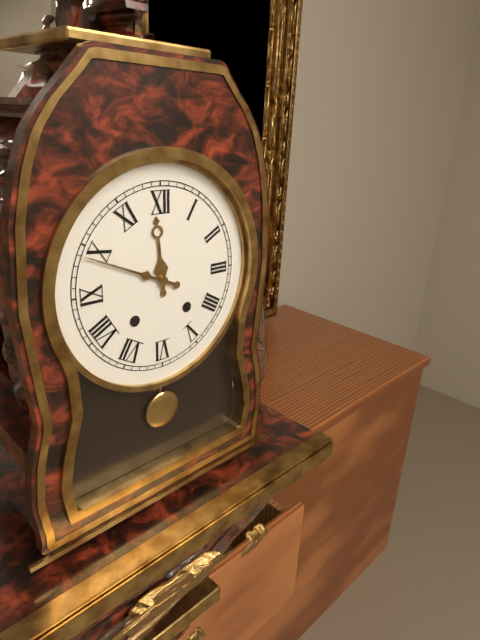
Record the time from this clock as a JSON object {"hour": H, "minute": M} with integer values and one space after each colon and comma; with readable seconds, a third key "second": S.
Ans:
{"hour": 11, "minute": 49}
